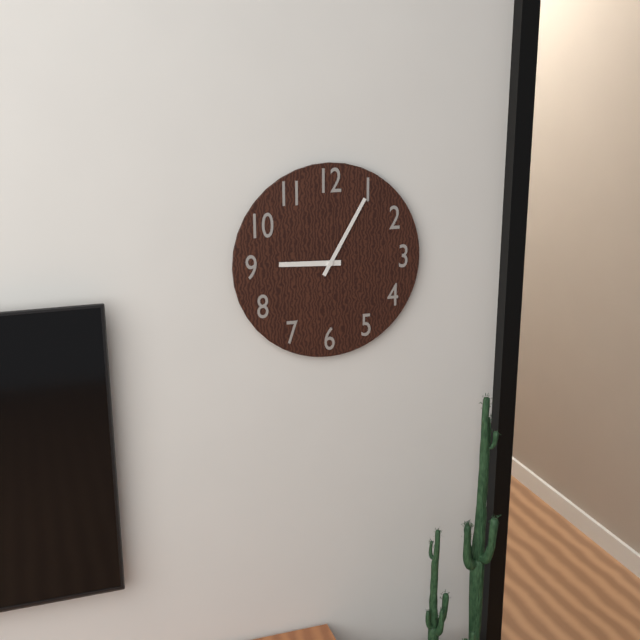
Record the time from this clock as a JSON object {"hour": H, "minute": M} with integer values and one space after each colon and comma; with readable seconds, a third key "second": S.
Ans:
{"hour": 9, "minute": 5}
